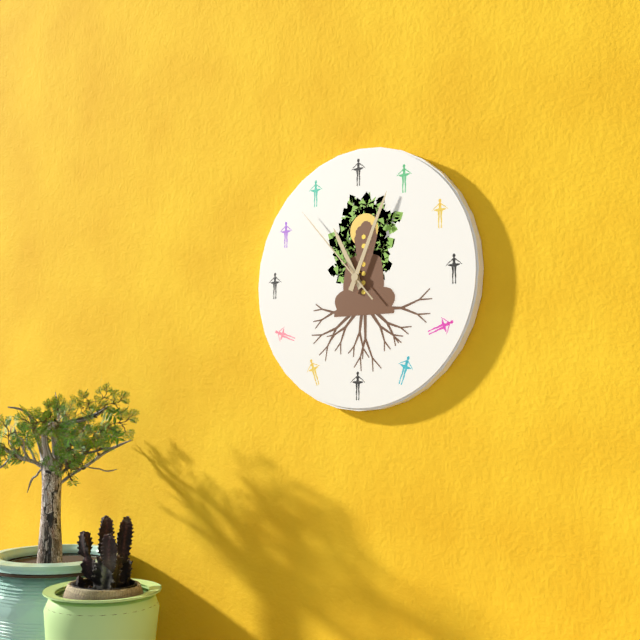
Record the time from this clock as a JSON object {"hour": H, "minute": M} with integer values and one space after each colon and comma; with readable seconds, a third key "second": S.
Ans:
{"hour": 11, "minute": 4, "second": 53}
